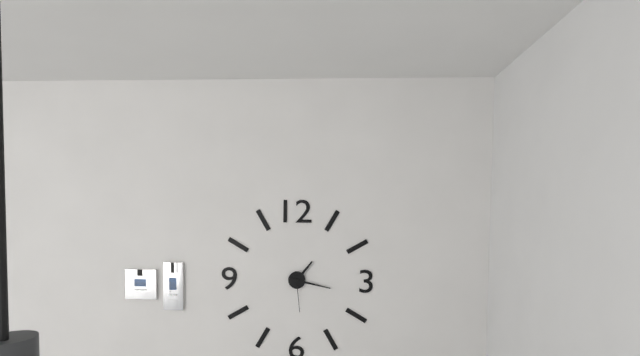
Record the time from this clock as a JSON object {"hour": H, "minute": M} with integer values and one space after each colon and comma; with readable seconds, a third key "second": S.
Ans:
{"hour": 1, "minute": 17}
